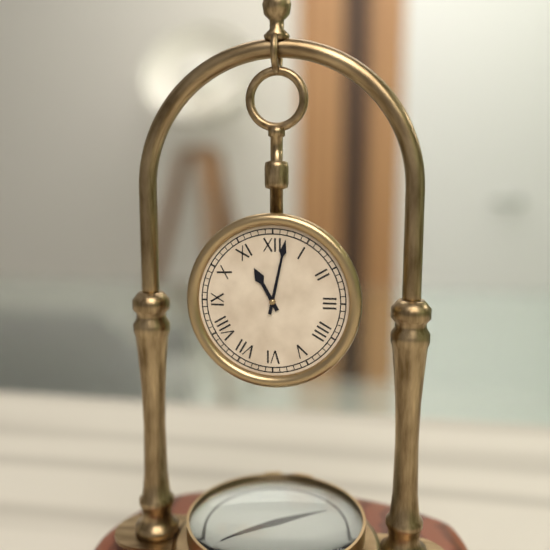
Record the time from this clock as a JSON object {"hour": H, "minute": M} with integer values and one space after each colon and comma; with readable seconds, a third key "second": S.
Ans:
{"hour": 11, "minute": 2}
